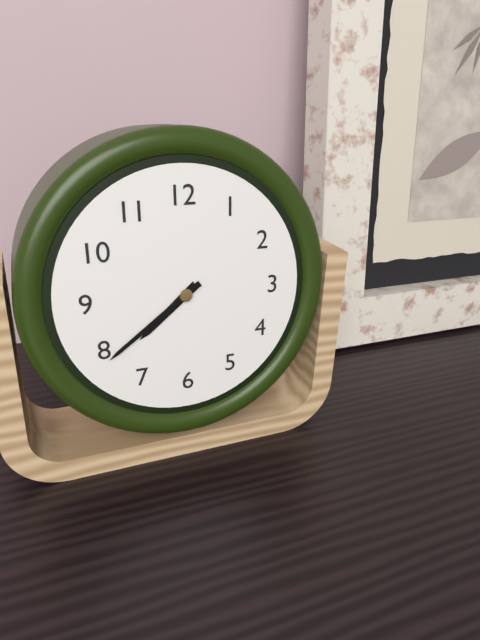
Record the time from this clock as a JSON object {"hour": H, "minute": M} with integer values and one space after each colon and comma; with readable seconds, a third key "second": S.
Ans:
{"hour": 7, "minute": 39}
